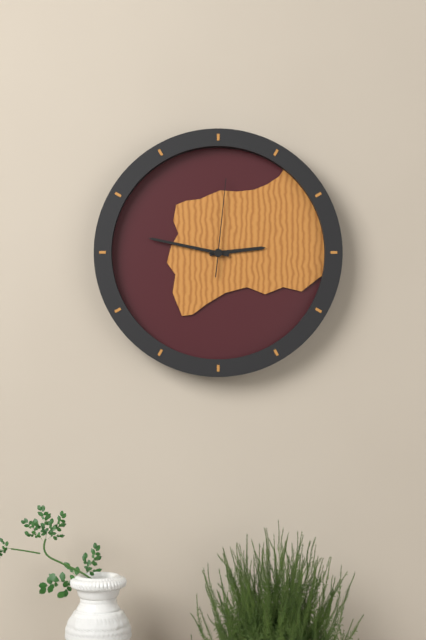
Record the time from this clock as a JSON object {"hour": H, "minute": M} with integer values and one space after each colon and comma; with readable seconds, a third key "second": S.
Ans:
{"hour": 2, "minute": 47, "second": 1}
